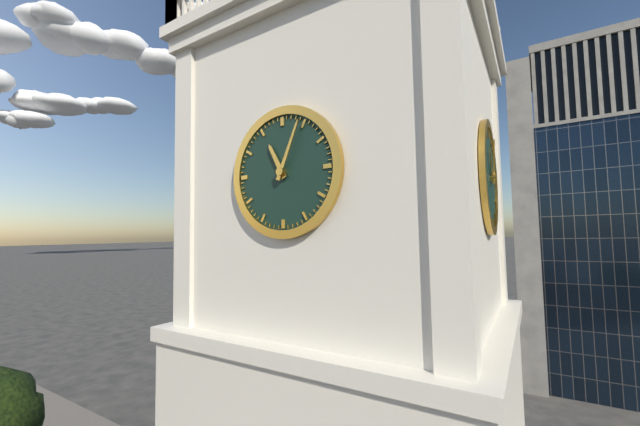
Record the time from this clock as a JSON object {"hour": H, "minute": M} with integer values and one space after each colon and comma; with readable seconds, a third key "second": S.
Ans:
{"hour": 11, "minute": 4}
